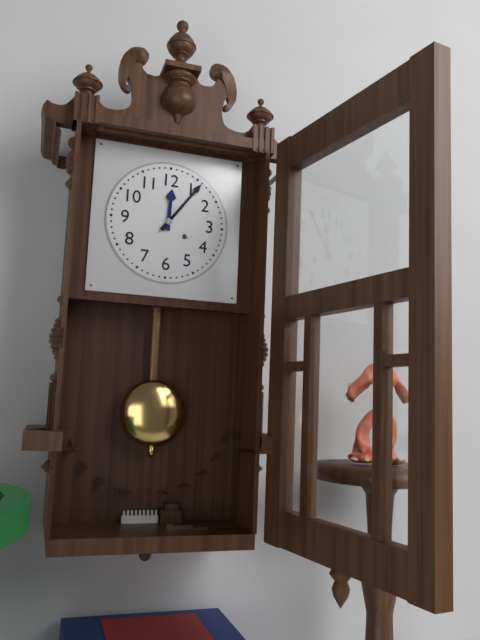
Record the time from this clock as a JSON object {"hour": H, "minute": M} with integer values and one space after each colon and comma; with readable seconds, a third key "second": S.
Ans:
{"hour": 12, "minute": 6}
